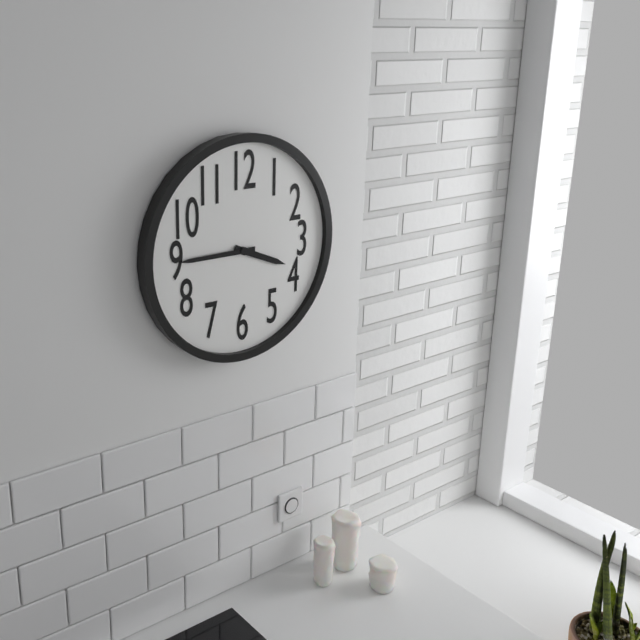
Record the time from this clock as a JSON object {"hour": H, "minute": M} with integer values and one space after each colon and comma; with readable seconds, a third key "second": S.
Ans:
{"hour": 3, "minute": 45}
